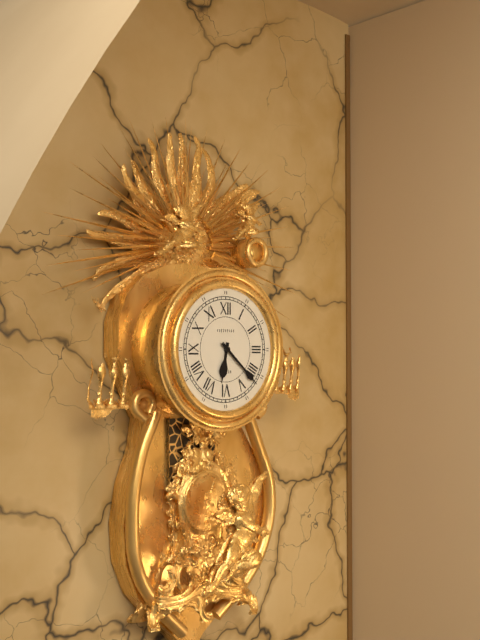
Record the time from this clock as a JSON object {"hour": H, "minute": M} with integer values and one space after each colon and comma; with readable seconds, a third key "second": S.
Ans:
{"hour": 6, "minute": 22}
